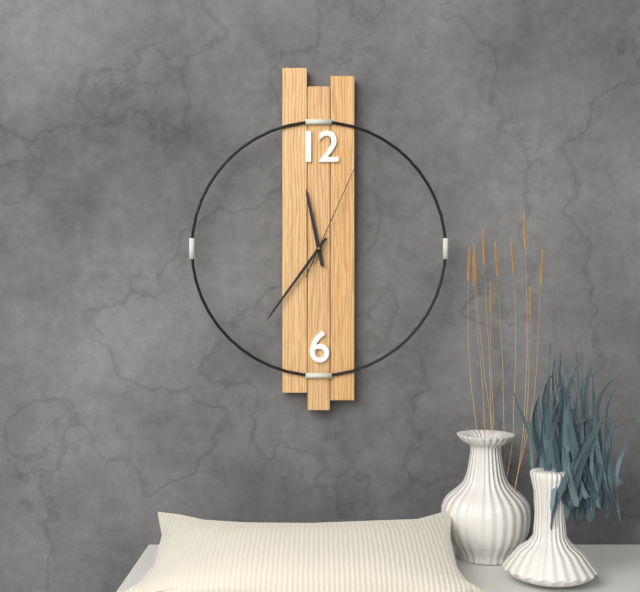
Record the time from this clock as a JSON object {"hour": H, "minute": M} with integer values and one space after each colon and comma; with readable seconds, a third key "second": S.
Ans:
{"hour": 11, "minute": 36, "second": 4}
